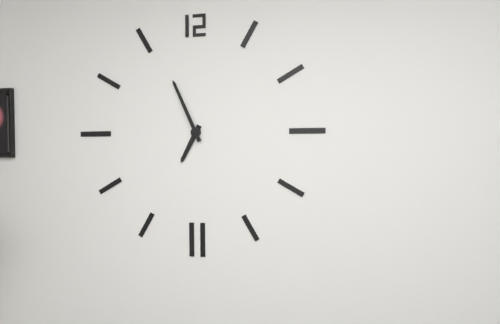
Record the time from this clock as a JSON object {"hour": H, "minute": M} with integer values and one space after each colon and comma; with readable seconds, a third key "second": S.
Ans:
{"hour": 6, "minute": 56}
